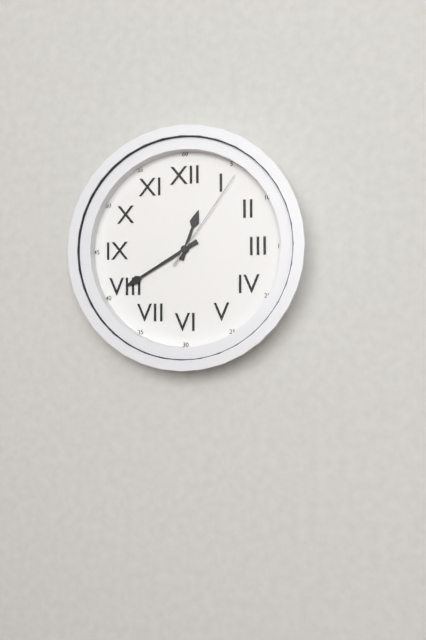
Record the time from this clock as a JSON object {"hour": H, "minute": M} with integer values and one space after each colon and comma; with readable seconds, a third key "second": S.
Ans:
{"hour": 12, "minute": 40, "second": 6}
